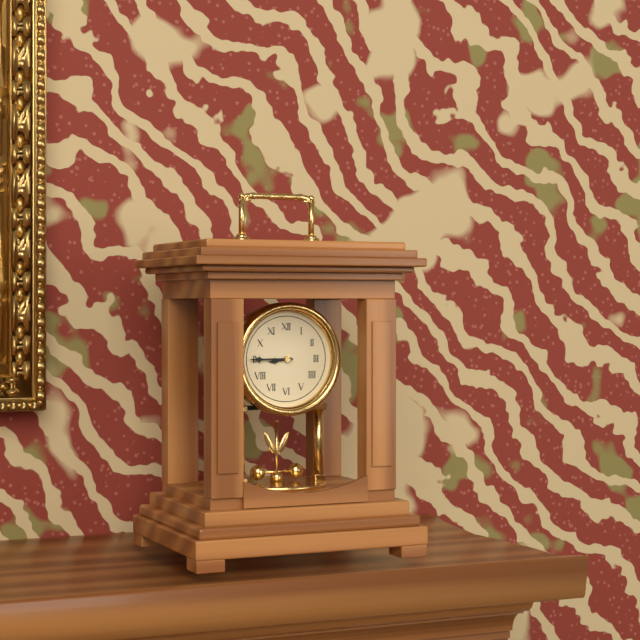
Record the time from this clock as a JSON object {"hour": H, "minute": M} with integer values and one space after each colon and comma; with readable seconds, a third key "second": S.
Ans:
{"hour": 8, "minute": 45}
